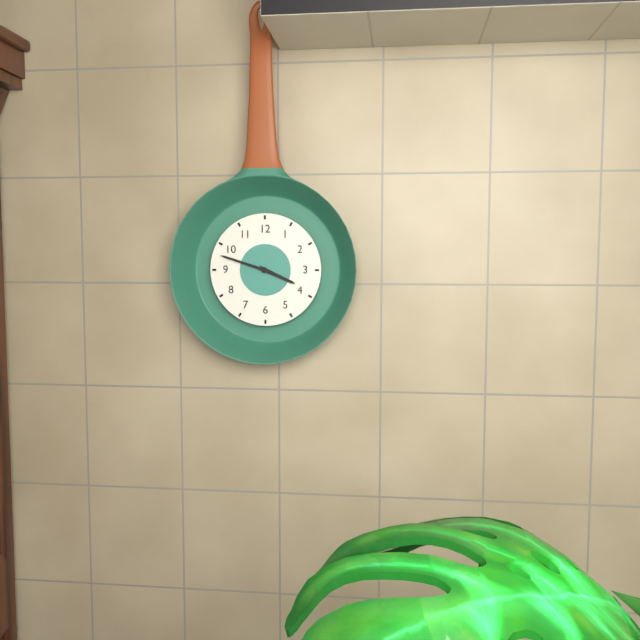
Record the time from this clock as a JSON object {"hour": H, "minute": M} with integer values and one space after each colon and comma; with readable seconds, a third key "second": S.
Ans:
{"hour": 3, "minute": 48}
